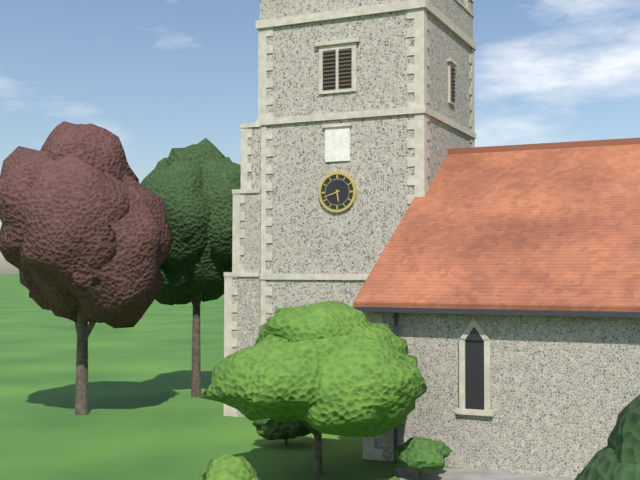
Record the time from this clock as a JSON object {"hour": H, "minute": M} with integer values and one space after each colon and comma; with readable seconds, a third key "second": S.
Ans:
{"hour": 5, "minute": 42}
